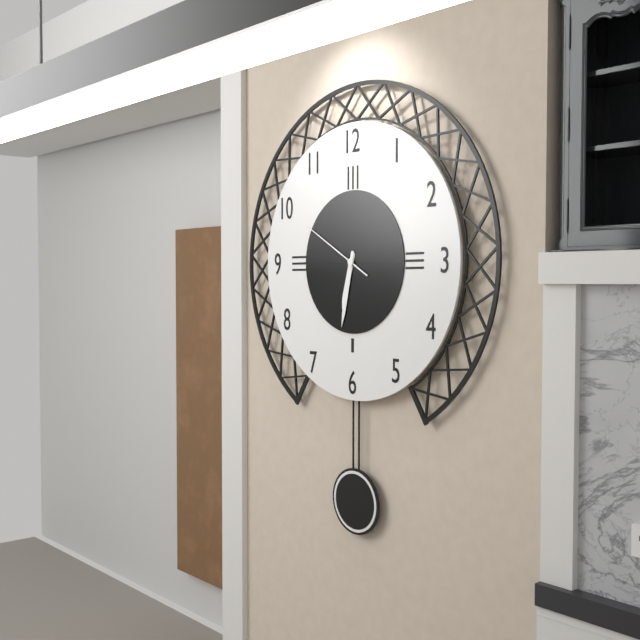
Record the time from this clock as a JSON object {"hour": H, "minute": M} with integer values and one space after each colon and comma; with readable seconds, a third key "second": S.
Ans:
{"hour": 6, "minute": 32, "second": 50}
